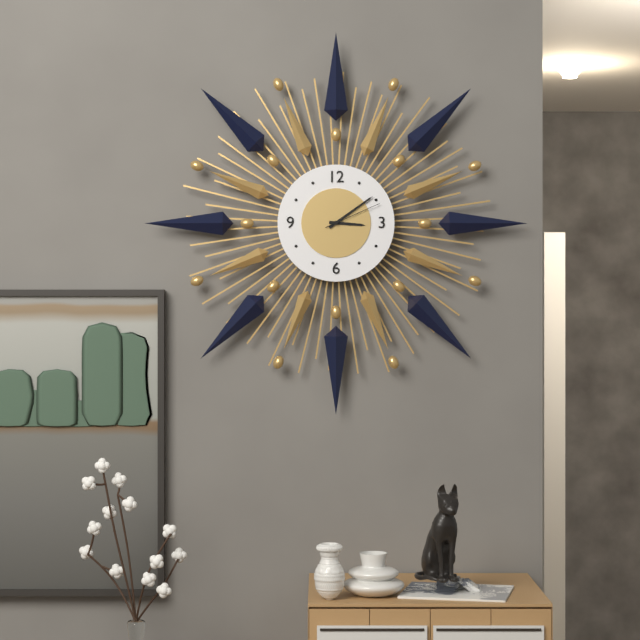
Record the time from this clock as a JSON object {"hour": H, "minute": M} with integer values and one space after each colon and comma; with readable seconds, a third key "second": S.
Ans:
{"hour": 3, "minute": 9, "second": 11}
